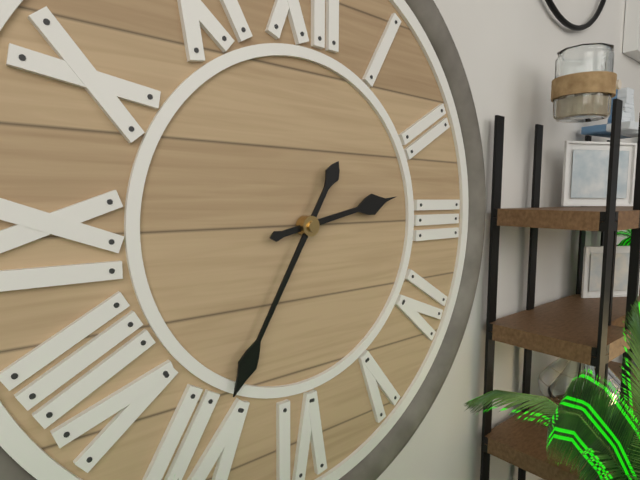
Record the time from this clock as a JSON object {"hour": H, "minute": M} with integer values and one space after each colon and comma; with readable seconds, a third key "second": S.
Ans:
{"hour": 2, "minute": 35}
